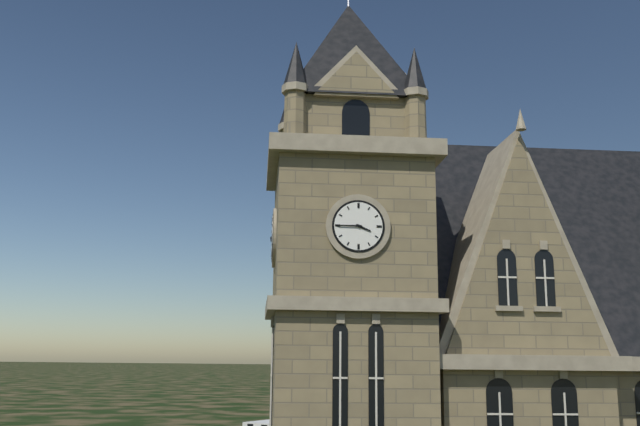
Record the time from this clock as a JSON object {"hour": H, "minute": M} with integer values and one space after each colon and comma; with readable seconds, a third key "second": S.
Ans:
{"hour": 3, "minute": 45}
